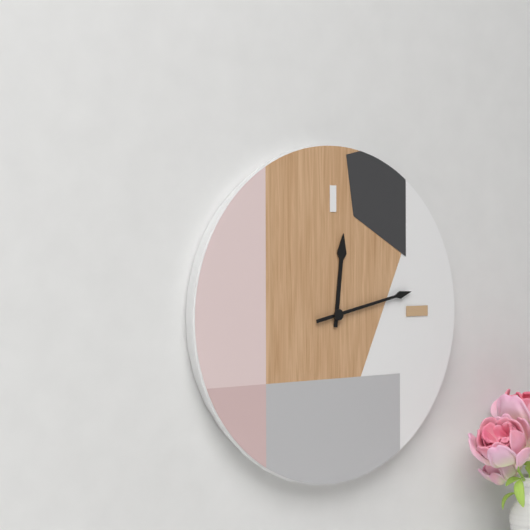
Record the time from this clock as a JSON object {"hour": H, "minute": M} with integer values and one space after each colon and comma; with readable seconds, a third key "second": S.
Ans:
{"hour": 12, "minute": 13}
